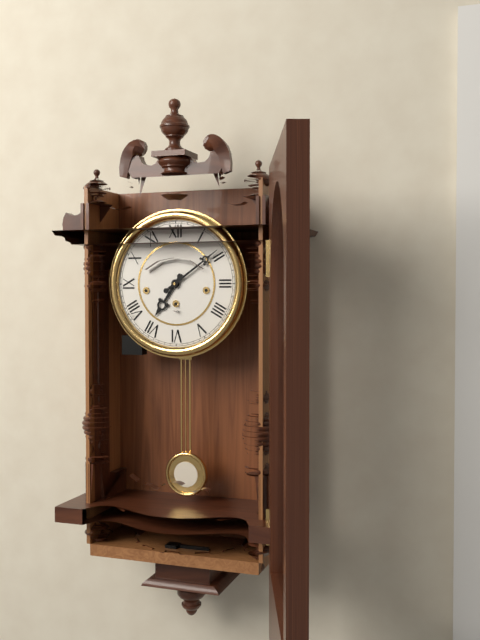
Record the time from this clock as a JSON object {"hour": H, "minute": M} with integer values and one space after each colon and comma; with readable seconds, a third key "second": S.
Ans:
{"hour": 7, "minute": 9}
